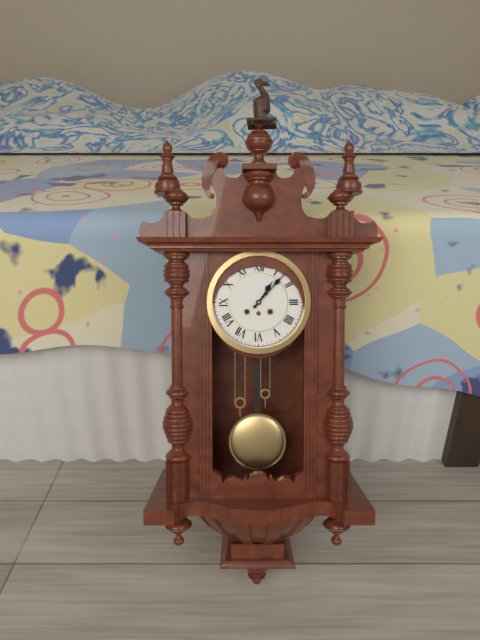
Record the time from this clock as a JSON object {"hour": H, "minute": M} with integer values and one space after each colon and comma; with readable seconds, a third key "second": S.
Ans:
{"hour": 1, "minute": 7}
